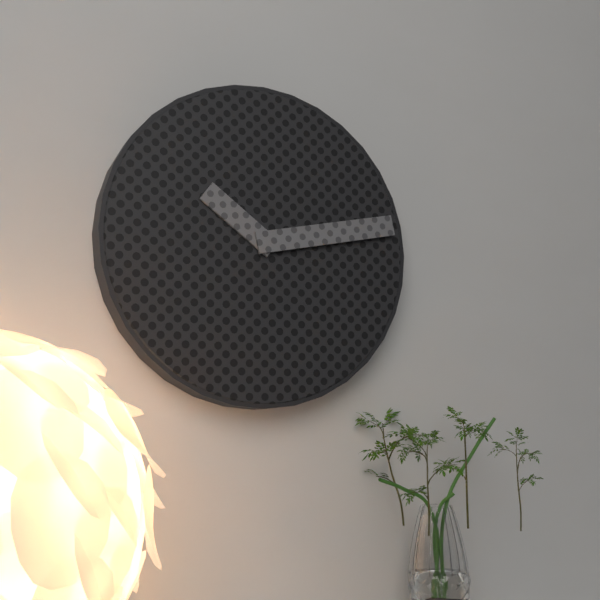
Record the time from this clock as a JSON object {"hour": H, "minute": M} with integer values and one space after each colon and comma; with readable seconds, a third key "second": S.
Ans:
{"hour": 10, "minute": 13}
